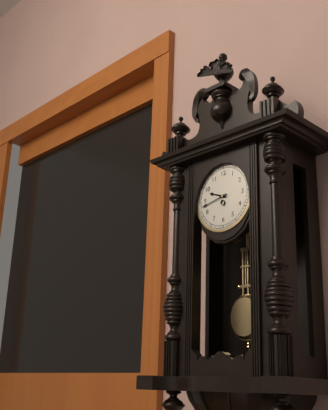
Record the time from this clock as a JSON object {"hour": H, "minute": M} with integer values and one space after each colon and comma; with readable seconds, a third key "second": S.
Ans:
{"hour": 9, "minute": 43}
